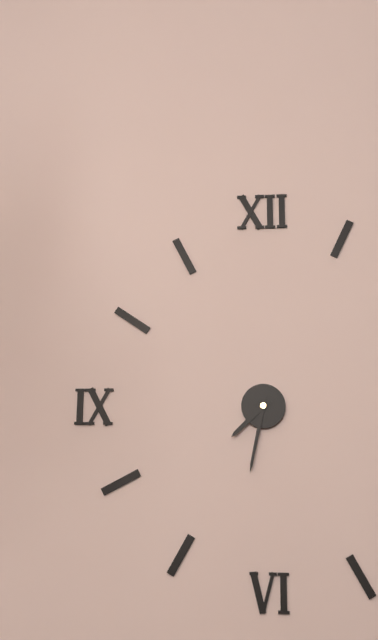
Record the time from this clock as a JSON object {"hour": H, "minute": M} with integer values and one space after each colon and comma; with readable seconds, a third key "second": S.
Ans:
{"hour": 7, "minute": 32}
